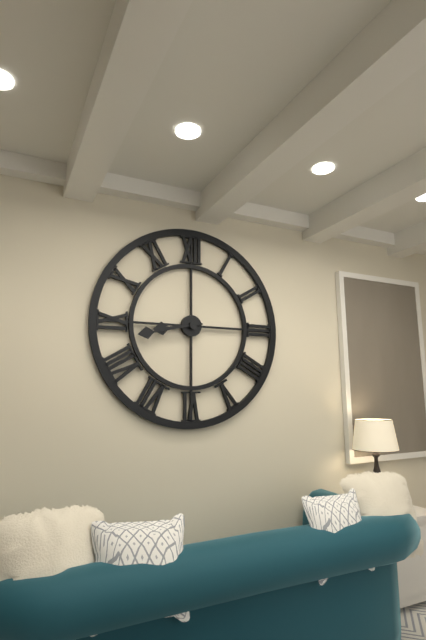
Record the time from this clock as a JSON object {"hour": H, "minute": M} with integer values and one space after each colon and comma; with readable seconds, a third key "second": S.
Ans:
{"hour": 8, "minute": 43}
